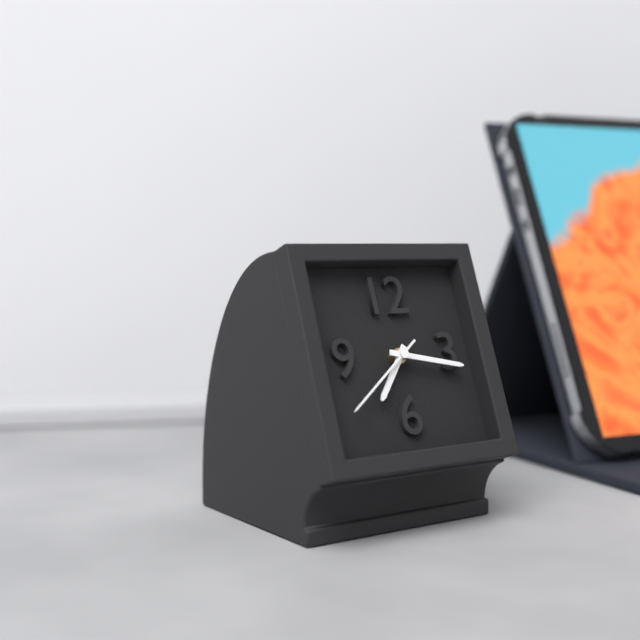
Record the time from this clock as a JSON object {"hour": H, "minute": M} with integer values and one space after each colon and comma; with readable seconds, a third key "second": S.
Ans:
{"hour": 7, "minute": 17, "second": 39}
